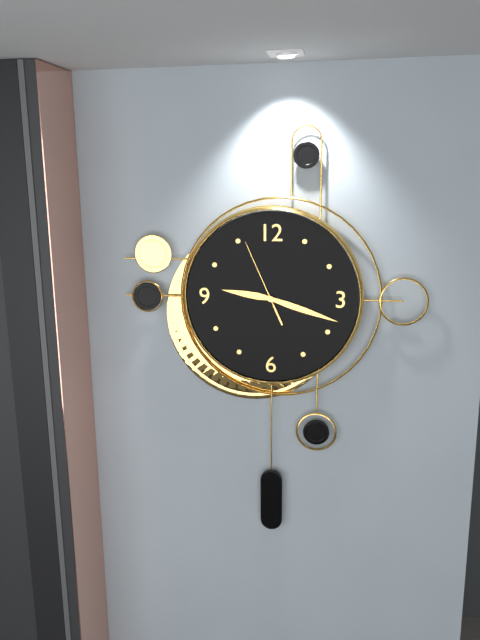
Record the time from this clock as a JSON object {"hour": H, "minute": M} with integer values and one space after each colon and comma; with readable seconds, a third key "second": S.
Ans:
{"hour": 9, "minute": 18, "second": 56}
